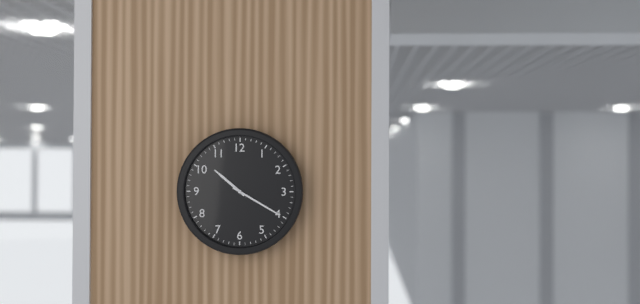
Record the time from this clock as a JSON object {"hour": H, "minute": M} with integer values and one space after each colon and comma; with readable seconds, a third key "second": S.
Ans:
{"hour": 10, "minute": 20}
